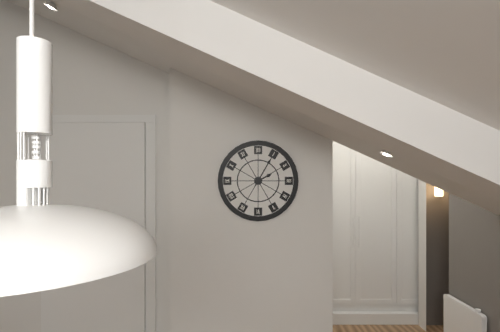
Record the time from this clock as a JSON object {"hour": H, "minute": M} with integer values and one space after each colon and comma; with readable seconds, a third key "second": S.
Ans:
{"hour": 2, "minute": 5}
